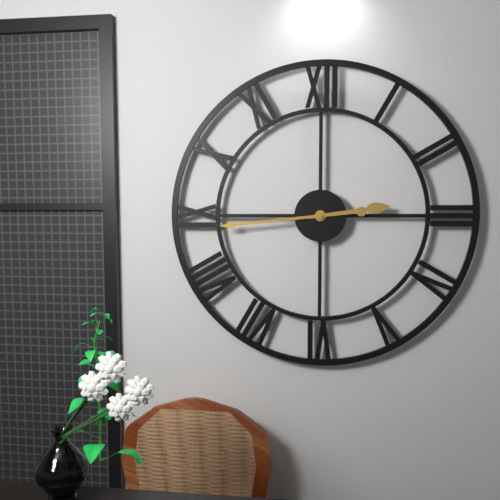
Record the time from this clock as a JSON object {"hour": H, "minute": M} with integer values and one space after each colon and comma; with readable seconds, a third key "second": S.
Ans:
{"hour": 2, "minute": 44}
